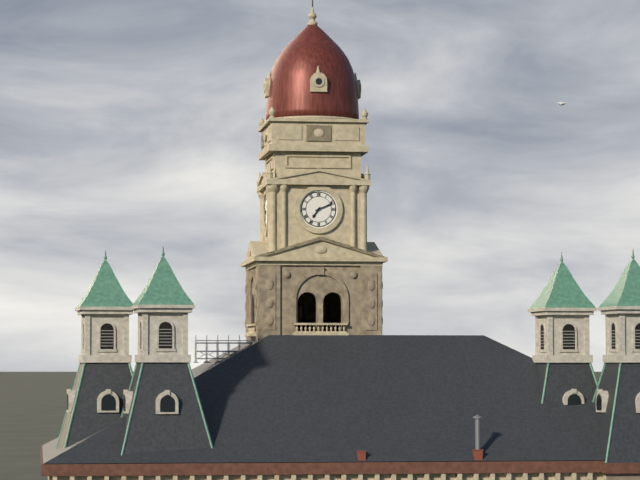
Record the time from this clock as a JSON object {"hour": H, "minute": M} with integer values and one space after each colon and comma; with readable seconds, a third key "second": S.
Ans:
{"hour": 7, "minute": 11}
